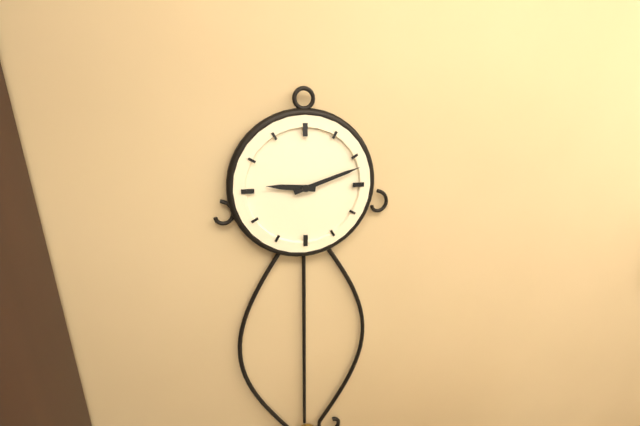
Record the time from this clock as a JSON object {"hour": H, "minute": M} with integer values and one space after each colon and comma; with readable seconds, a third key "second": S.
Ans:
{"hour": 9, "minute": 12}
